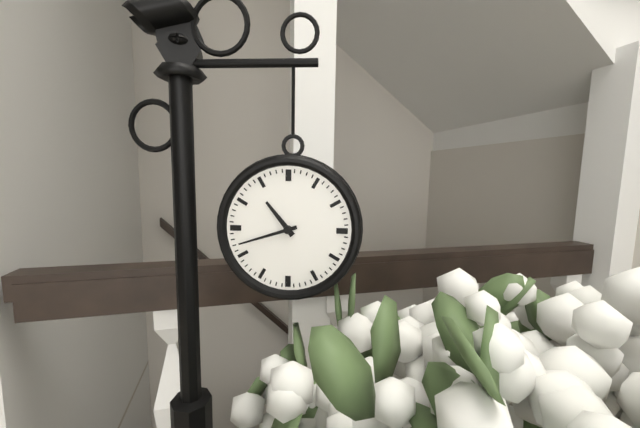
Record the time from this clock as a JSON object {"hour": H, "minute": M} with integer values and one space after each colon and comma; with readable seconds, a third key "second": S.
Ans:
{"hour": 10, "minute": 42}
